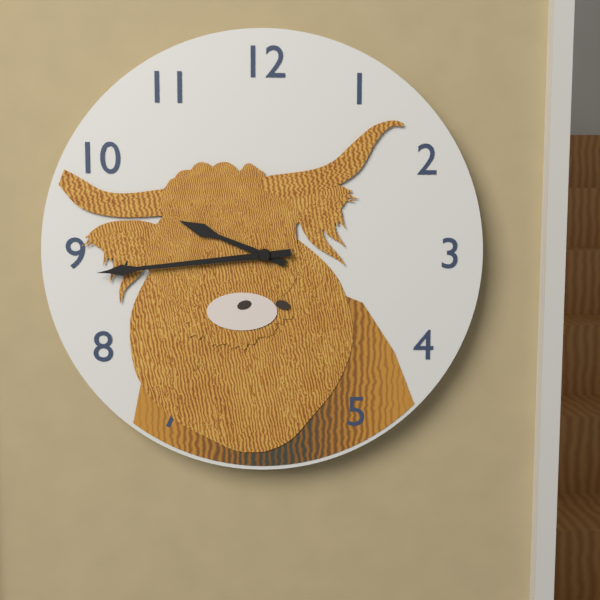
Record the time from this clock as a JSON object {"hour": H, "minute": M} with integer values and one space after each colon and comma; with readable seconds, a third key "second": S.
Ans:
{"hour": 9, "minute": 44}
